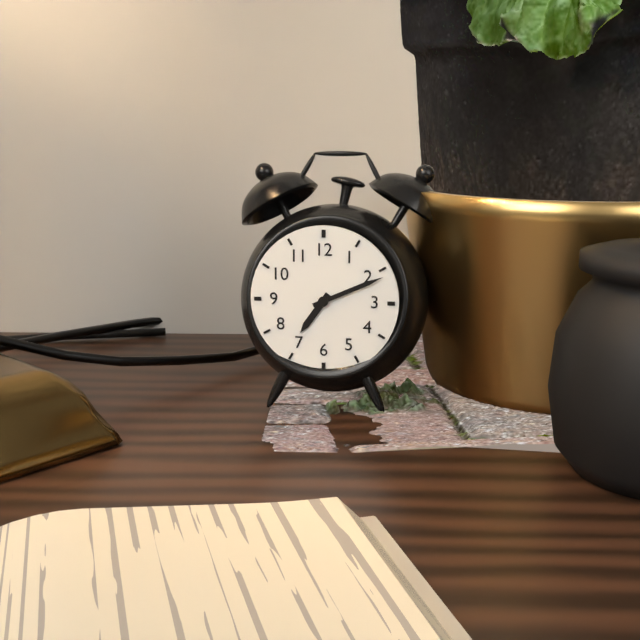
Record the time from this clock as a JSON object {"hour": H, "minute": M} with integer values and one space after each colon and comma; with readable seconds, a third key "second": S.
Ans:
{"hour": 7, "minute": 11}
